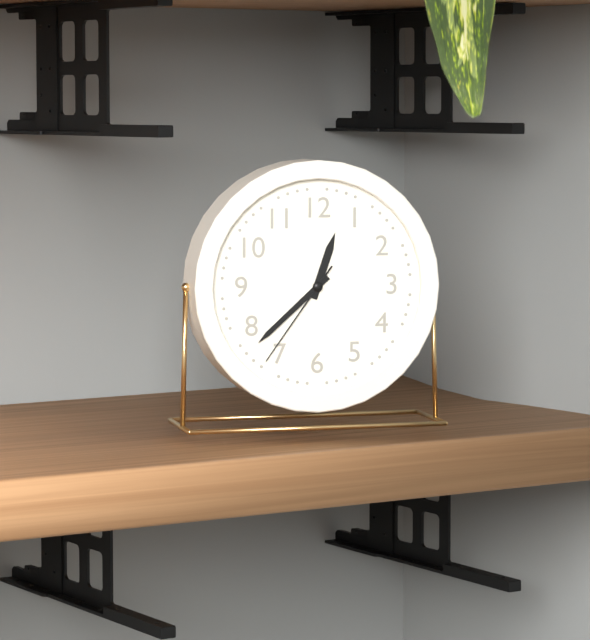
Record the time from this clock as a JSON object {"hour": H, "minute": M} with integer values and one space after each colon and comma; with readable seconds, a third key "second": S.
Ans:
{"hour": 12, "minute": 38, "second": 36}
